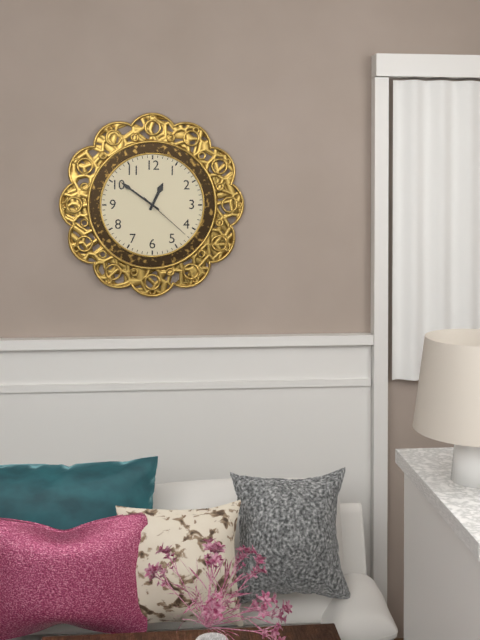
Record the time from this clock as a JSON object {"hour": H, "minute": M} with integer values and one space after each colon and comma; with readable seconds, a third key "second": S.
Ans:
{"hour": 12, "minute": 51, "second": 22}
